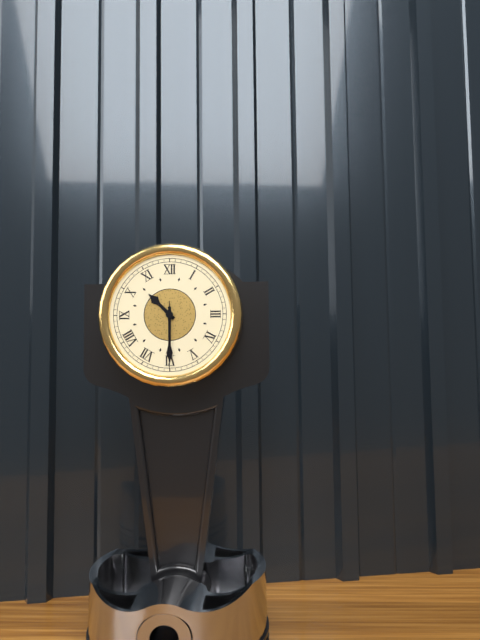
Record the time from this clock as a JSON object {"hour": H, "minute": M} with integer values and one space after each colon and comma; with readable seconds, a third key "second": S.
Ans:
{"hour": 10, "minute": 30, "second": 30}
